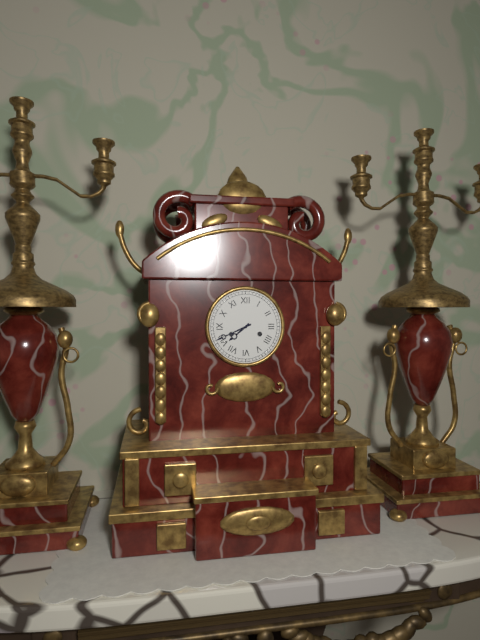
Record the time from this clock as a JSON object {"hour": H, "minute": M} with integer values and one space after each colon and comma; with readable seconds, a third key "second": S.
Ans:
{"hour": 7, "minute": 41}
